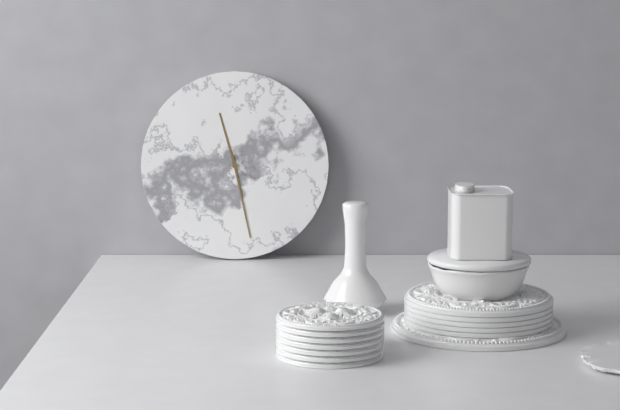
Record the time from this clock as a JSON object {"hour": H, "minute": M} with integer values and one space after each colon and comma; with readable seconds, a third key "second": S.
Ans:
{"hour": 11, "minute": 28}
